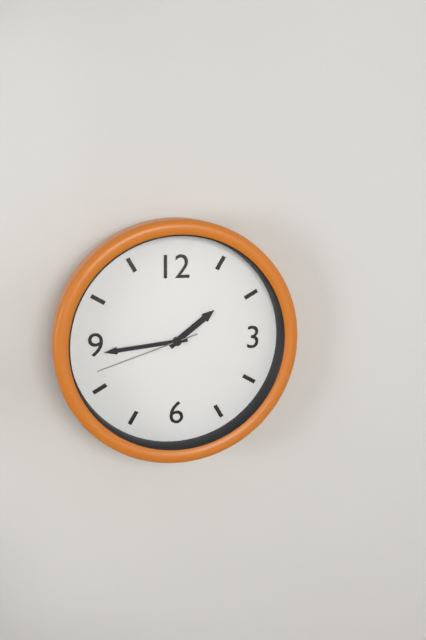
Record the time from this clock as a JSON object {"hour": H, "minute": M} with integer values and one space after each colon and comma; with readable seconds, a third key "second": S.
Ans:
{"hour": 1, "minute": 44, "second": 42}
